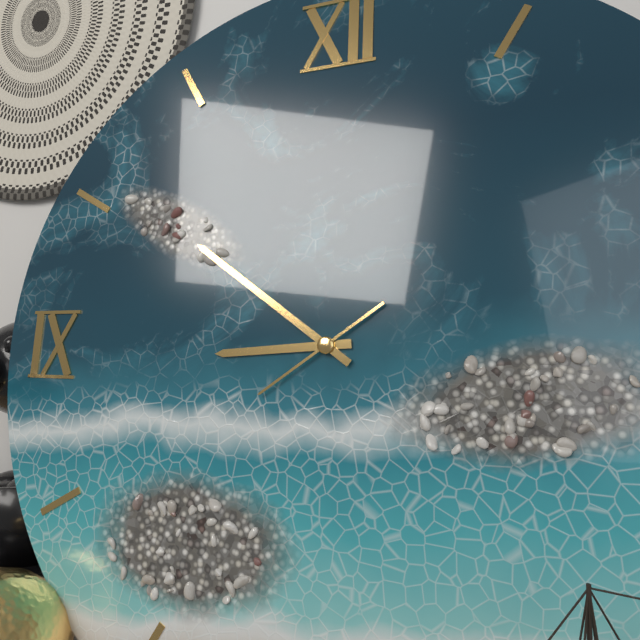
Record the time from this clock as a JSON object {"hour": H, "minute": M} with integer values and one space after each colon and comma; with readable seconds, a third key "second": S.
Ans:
{"hour": 8, "minute": 51, "second": 39}
